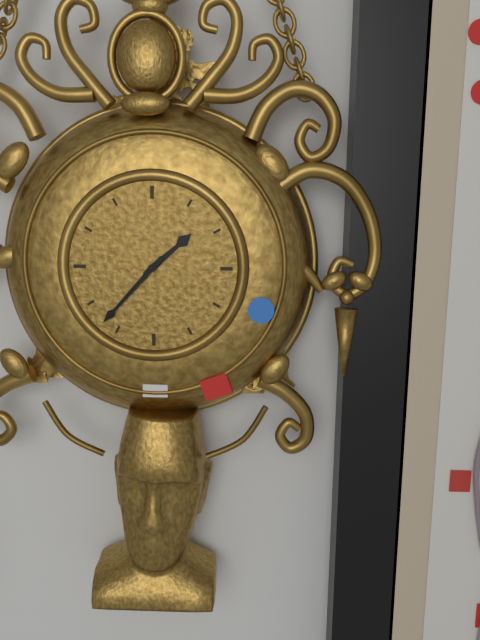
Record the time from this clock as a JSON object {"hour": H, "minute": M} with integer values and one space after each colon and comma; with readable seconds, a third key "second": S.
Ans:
{"hour": 1, "minute": 37}
